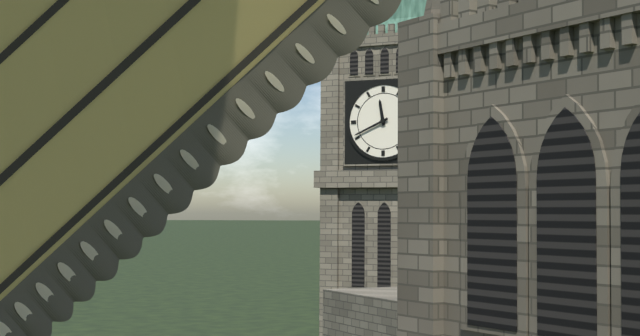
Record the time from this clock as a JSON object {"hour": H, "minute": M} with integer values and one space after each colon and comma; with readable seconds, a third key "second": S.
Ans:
{"hour": 11, "minute": 41}
